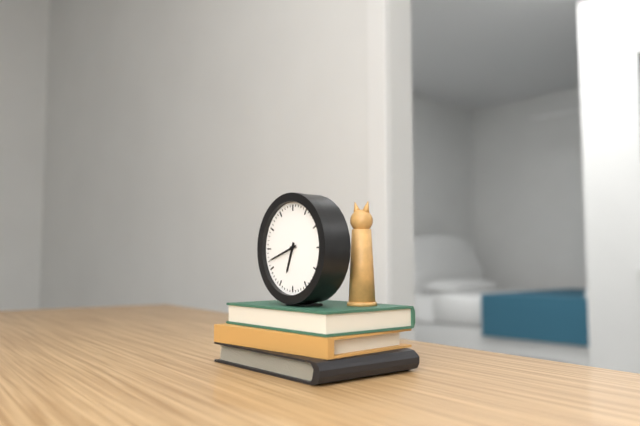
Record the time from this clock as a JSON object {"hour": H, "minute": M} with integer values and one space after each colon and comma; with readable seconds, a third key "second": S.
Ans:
{"hour": 6, "minute": 42}
